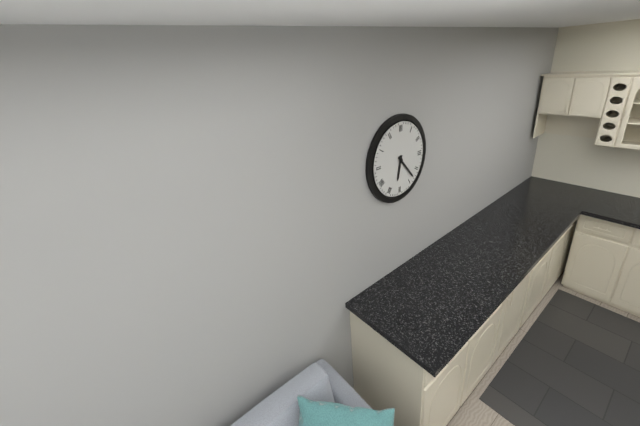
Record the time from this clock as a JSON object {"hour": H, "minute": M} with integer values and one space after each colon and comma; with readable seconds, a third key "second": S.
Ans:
{"hour": 6, "minute": 23}
